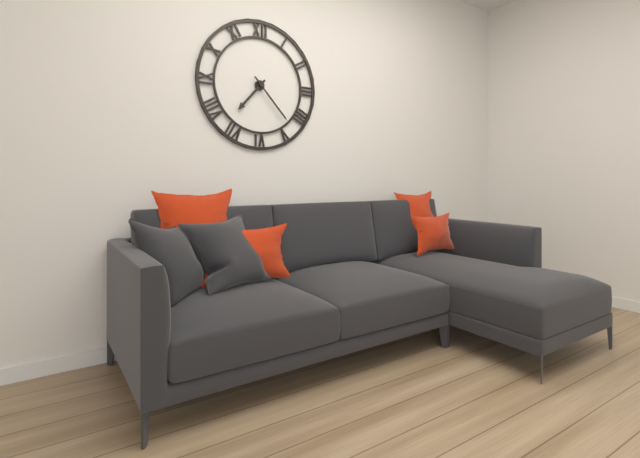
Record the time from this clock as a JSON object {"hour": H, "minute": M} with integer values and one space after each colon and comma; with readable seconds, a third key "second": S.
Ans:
{"hour": 7, "minute": 23}
